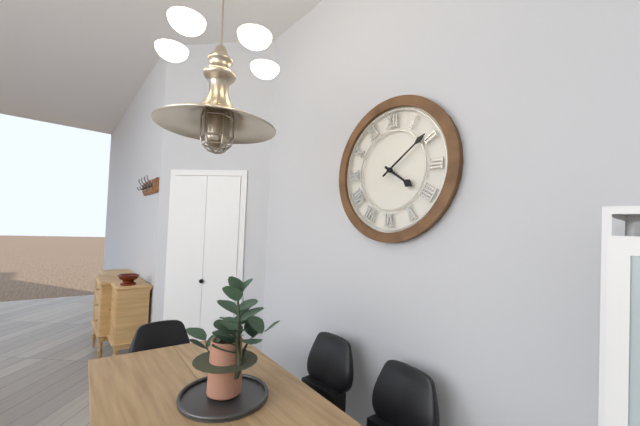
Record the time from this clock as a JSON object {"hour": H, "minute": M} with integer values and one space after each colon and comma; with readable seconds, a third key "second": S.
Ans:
{"hour": 4, "minute": 9}
